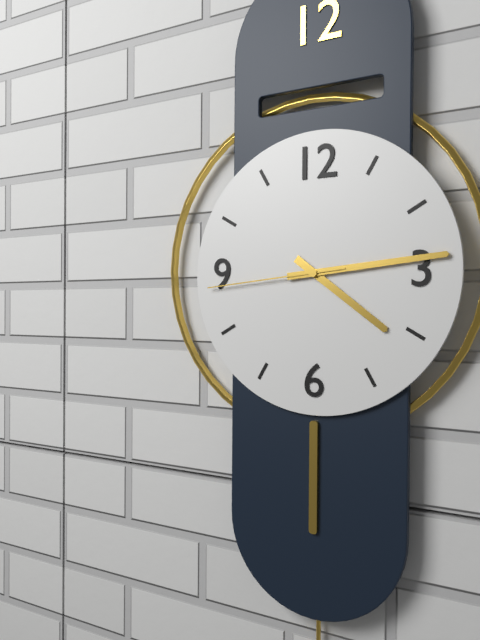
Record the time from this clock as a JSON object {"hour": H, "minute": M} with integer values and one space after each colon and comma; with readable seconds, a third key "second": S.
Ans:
{"hour": 4, "minute": 14, "second": 44}
